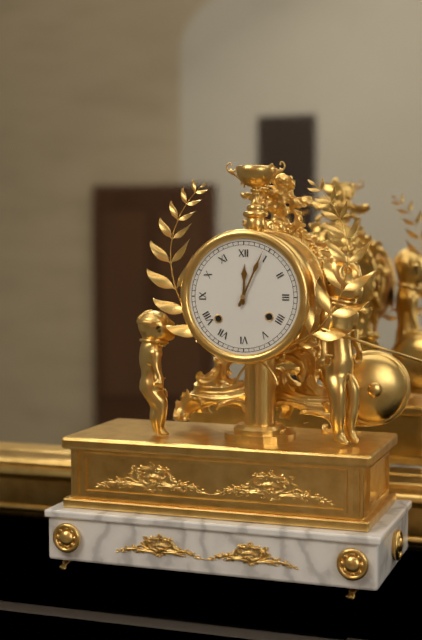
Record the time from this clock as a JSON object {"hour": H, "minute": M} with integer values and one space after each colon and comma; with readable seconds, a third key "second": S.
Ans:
{"hour": 12, "minute": 4}
